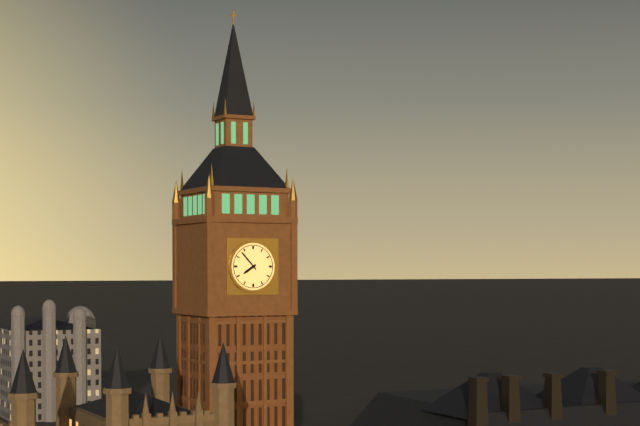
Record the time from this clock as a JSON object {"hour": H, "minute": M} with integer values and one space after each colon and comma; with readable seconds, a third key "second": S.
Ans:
{"hour": 7, "minute": 53}
